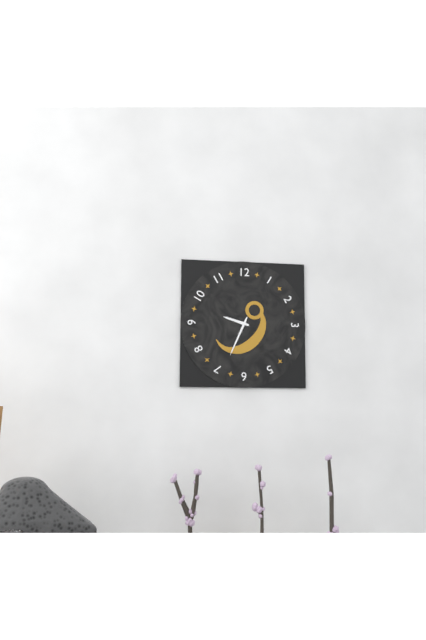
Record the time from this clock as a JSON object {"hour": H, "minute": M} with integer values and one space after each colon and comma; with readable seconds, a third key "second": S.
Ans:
{"hour": 9, "minute": 34}
